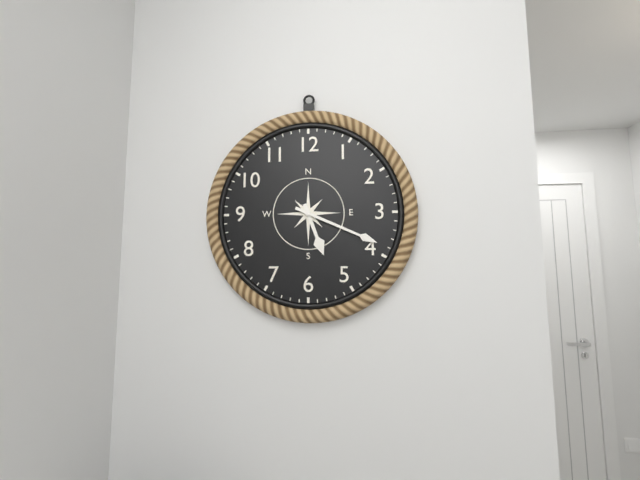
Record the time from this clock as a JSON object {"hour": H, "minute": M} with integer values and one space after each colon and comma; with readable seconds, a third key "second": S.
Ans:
{"hour": 5, "minute": 19}
